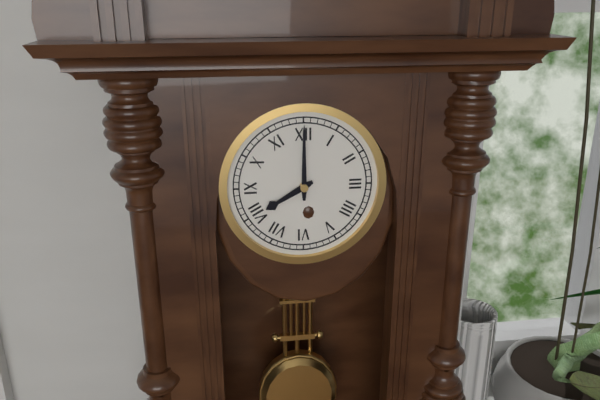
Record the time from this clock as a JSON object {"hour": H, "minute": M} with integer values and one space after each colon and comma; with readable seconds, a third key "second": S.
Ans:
{"hour": 8, "minute": 0}
